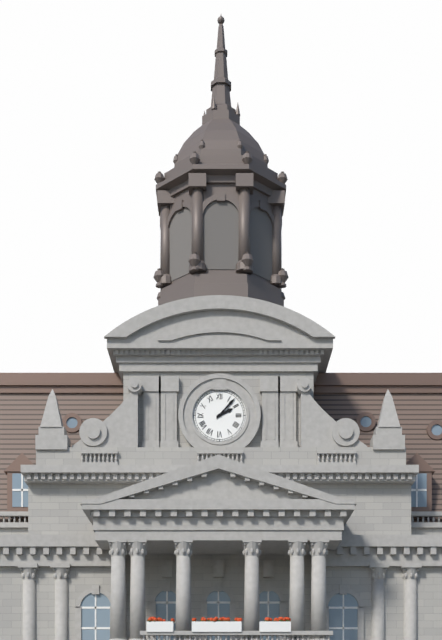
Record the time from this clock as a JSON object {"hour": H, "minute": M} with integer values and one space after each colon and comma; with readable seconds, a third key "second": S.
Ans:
{"hour": 2, "minute": 7}
